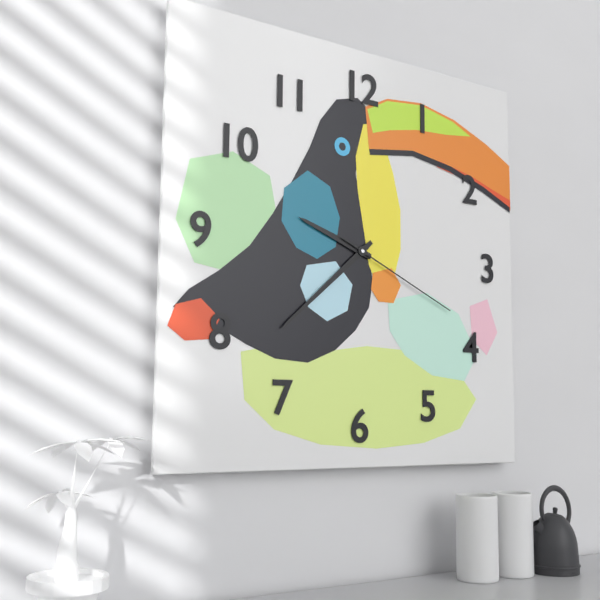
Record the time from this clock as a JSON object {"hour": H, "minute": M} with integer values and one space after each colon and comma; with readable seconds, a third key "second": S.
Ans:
{"hour": 9, "minute": 38, "second": 19}
